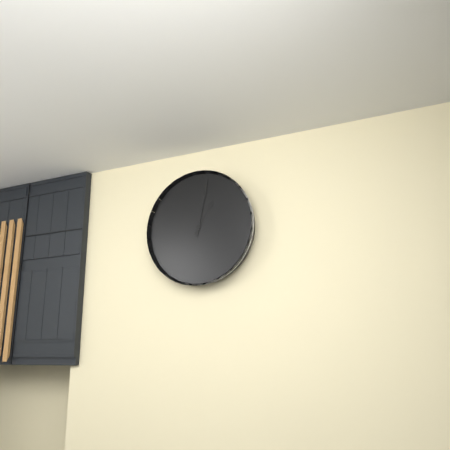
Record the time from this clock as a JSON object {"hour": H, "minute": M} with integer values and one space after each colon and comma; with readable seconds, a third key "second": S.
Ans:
{"hour": 1, "minute": 2}
